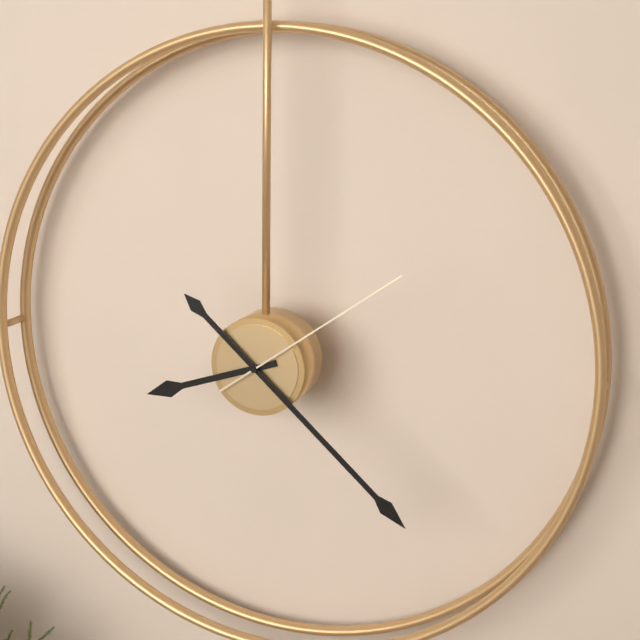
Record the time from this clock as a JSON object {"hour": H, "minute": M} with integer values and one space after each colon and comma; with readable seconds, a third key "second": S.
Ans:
{"hour": 8, "minute": 22, "second": 9}
